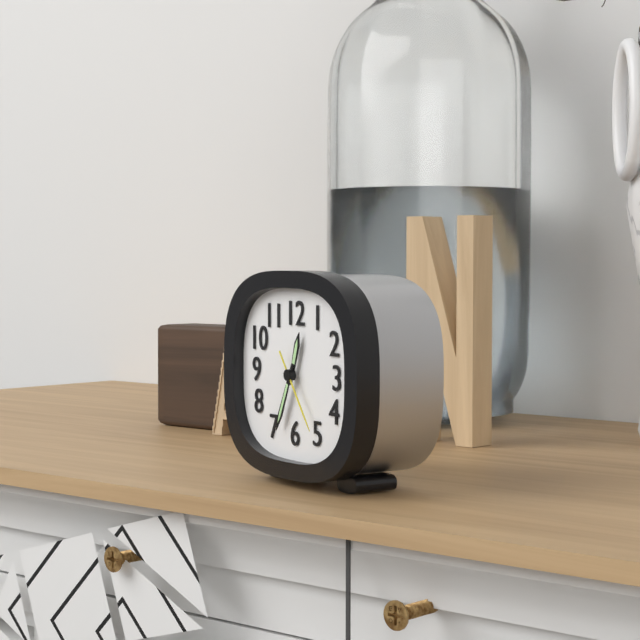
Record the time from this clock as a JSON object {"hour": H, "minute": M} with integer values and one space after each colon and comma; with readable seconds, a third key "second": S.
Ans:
{"hour": 12, "minute": 34, "second": 24}
